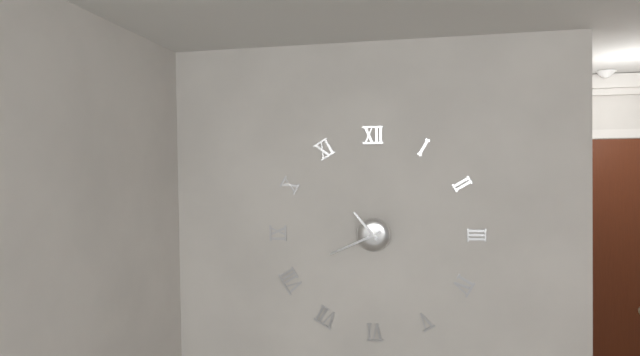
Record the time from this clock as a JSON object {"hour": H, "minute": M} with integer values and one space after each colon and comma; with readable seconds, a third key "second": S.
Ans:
{"hour": 10, "minute": 41}
